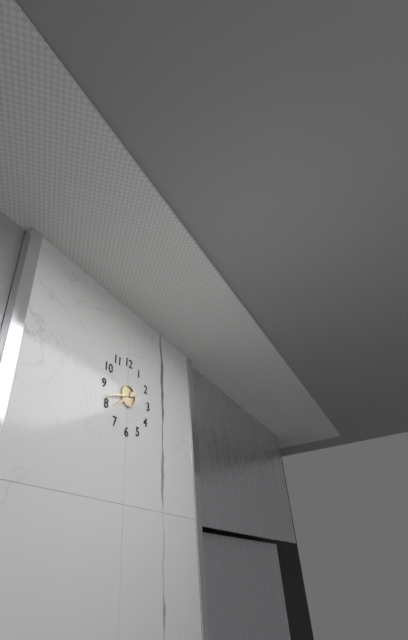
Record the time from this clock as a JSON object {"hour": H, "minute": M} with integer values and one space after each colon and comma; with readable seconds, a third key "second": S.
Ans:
{"hour": 7, "minute": 42}
